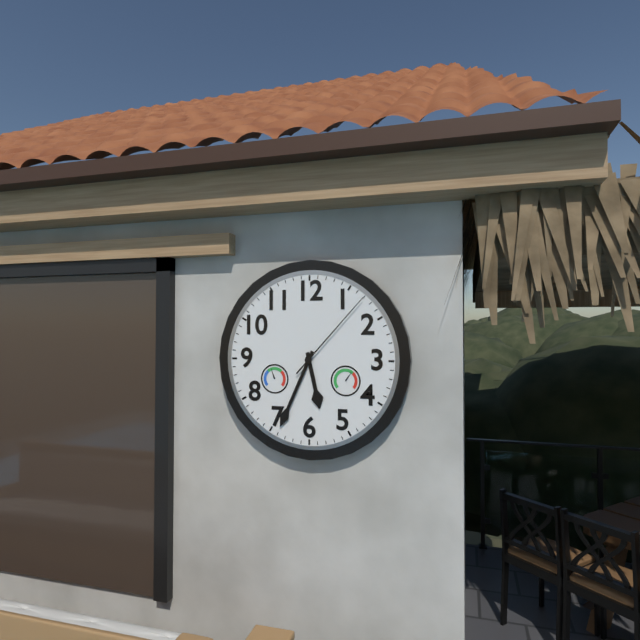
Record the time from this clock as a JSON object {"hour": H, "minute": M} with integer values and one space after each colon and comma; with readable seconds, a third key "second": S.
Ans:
{"hour": 5, "minute": 34, "second": 7}
